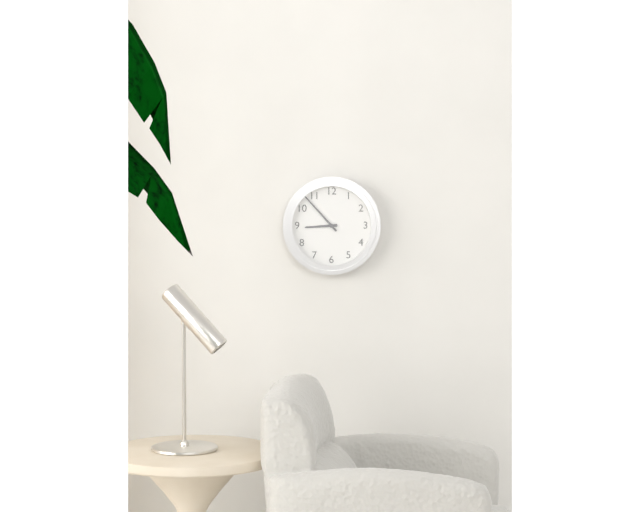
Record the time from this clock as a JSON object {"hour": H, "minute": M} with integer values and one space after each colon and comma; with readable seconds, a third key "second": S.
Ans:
{"hour": 8, "minute": 53}
